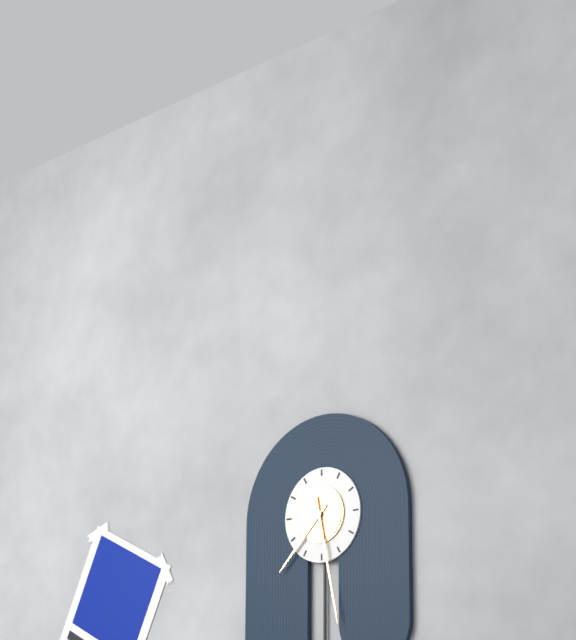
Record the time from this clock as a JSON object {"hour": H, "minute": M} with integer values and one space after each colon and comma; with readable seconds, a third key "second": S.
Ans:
{"hour": 7, "minute": 28}
